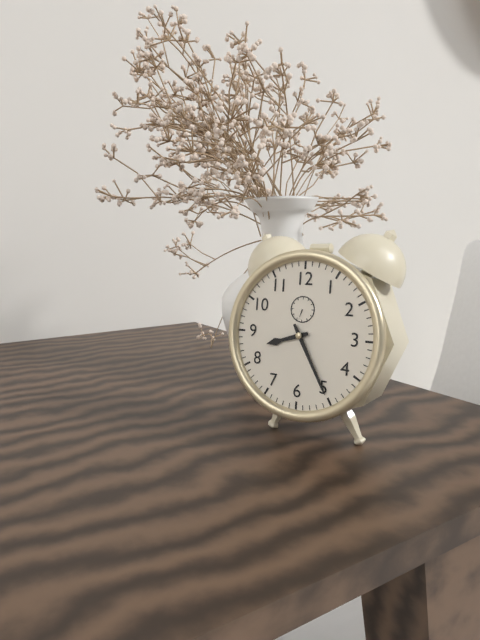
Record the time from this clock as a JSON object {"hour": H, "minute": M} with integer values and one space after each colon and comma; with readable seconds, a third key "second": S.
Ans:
{"hour": 8, "minute": 25}
